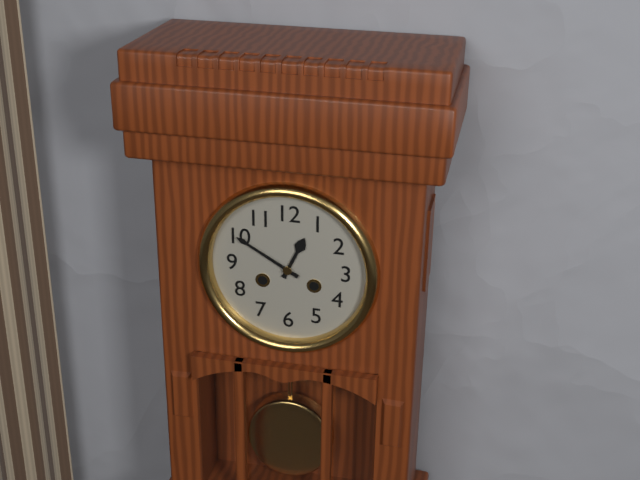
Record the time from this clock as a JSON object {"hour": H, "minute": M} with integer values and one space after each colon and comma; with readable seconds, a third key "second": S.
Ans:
{"hour": 12, "minute": 50}
